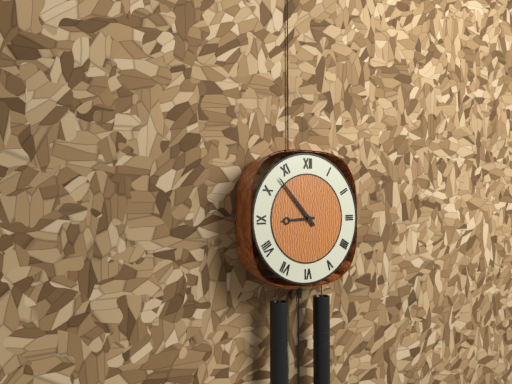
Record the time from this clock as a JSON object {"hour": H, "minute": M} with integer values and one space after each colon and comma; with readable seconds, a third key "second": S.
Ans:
{"hour": 8, "minute": 53}
